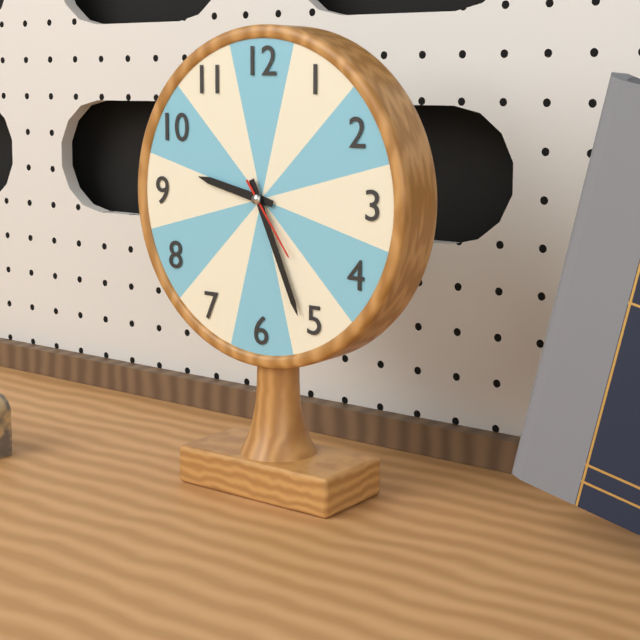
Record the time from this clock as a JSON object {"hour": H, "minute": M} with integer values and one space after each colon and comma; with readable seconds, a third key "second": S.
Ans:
{"hour": 9, "minute": 26, "second": 24}
